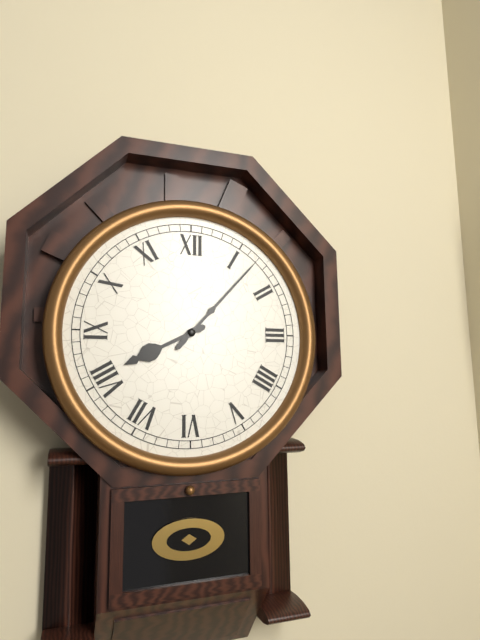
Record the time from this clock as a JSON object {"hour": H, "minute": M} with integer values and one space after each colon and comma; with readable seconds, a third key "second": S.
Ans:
{"hour": 8, "minute": 7}
